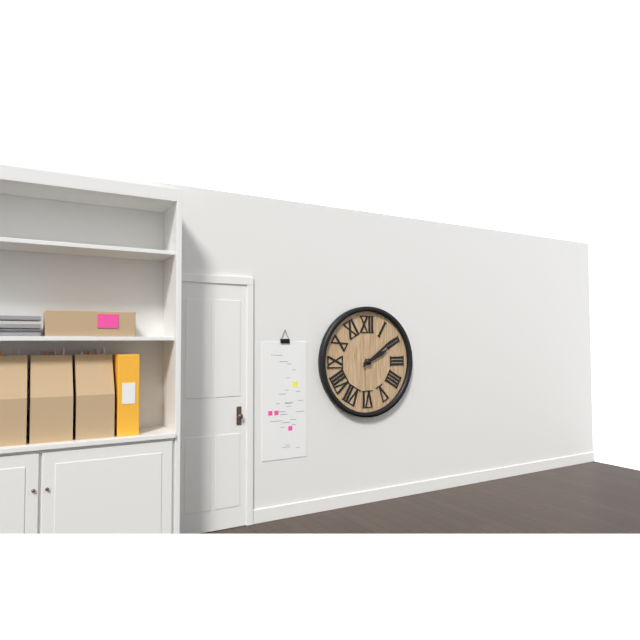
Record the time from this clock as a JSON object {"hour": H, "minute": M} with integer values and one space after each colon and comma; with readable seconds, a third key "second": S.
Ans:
{"hour": 2, "minute": 9}
